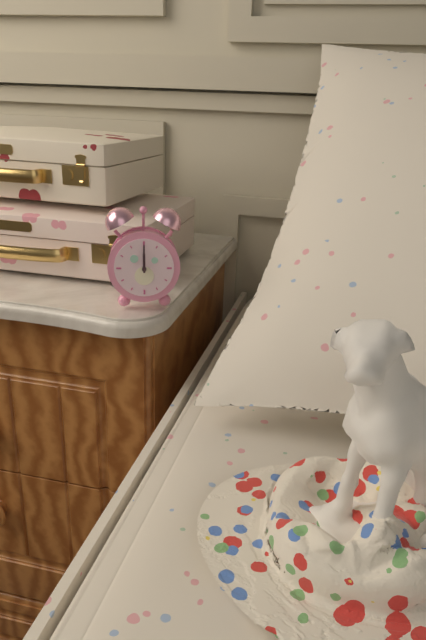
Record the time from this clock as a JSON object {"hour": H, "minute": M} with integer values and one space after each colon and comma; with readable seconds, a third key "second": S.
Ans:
{"hour": 12, "minute": 0}
